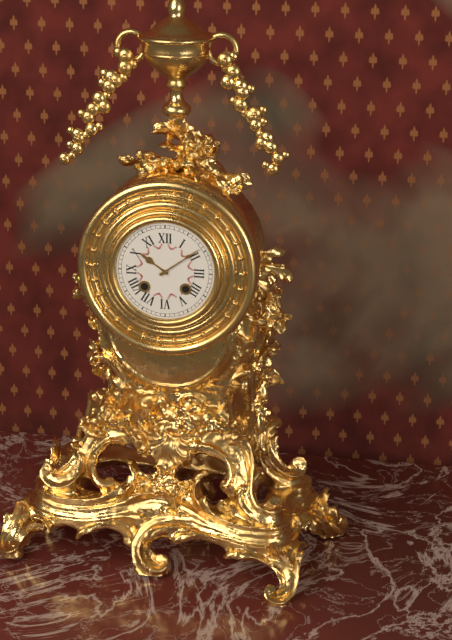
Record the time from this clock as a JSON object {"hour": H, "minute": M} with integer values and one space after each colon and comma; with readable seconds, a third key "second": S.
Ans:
{"hour": 10, "minute": 9}
